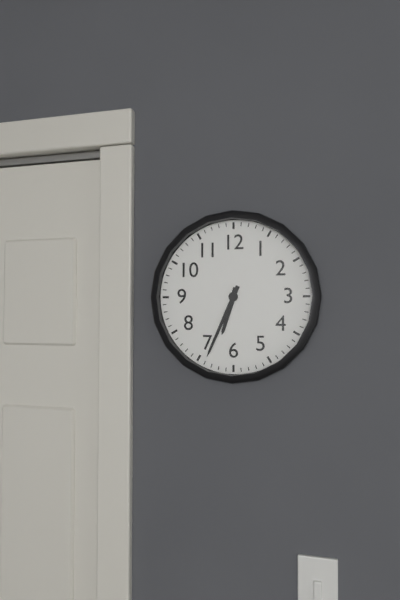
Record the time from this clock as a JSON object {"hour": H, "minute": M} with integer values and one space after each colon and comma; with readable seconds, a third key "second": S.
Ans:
{"hour": 6, "minute": 34}
